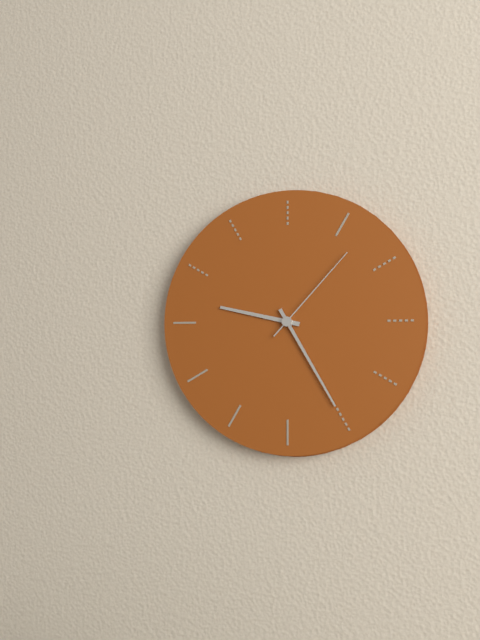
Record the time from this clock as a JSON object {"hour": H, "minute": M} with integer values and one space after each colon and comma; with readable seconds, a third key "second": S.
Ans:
{"hour": 9, "minute": 25, "second": 7}
